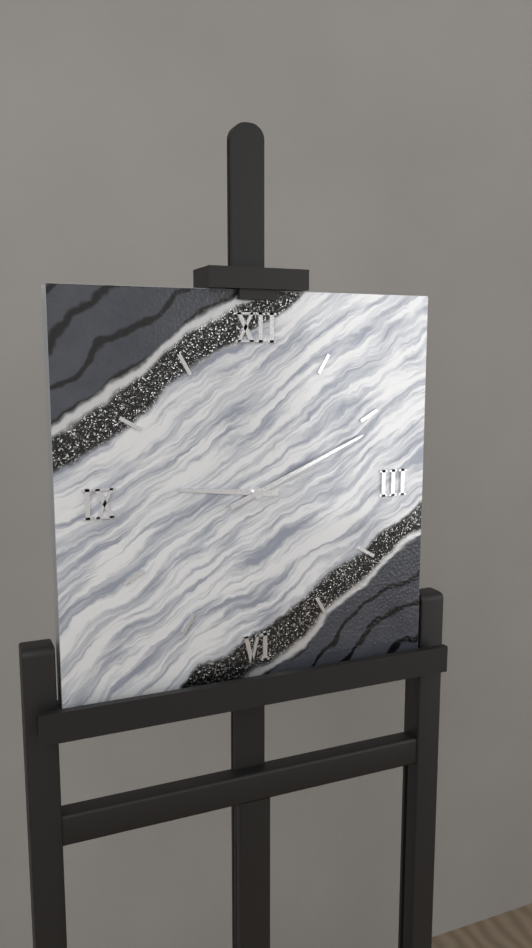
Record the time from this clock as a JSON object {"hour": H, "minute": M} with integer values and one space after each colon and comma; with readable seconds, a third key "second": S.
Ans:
{"hour": 9, "minute": 11}
